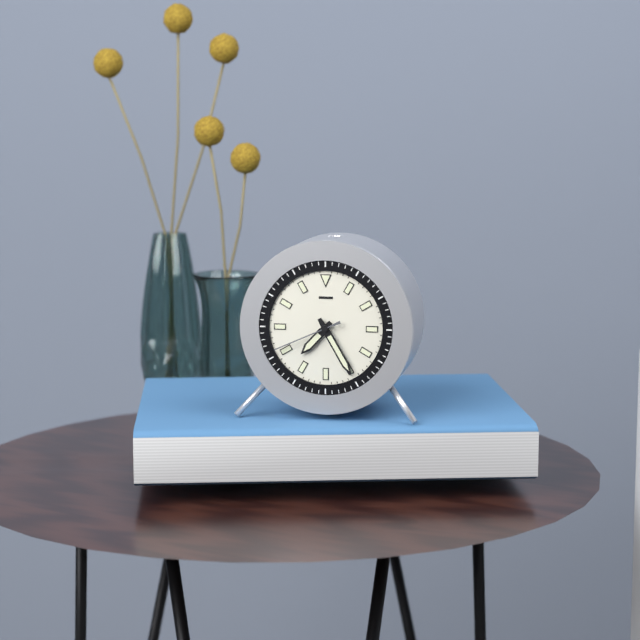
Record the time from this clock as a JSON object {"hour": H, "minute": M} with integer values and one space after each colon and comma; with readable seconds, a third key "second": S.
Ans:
{"hour": 7, "minute": 25, "second": 41}
